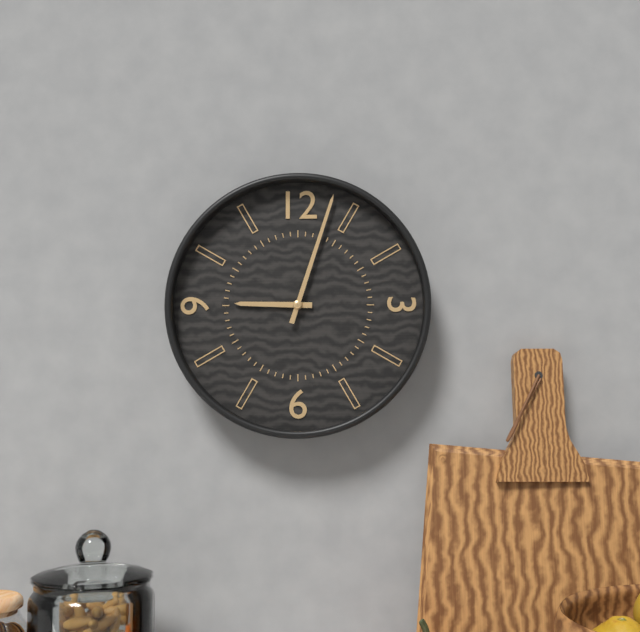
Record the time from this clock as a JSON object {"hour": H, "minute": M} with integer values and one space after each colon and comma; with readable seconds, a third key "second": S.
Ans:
{"hour": 9, "minute": 3}
